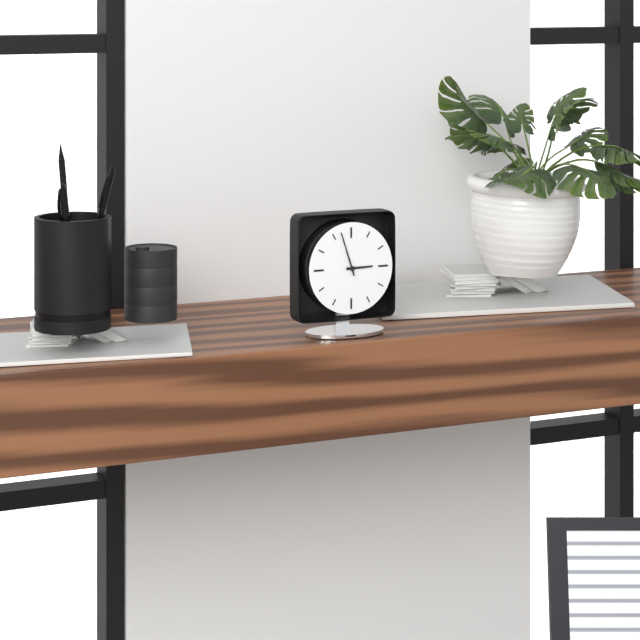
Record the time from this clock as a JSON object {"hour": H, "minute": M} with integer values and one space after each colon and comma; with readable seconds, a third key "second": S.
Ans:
{"hour": 2, "minute": 57}
